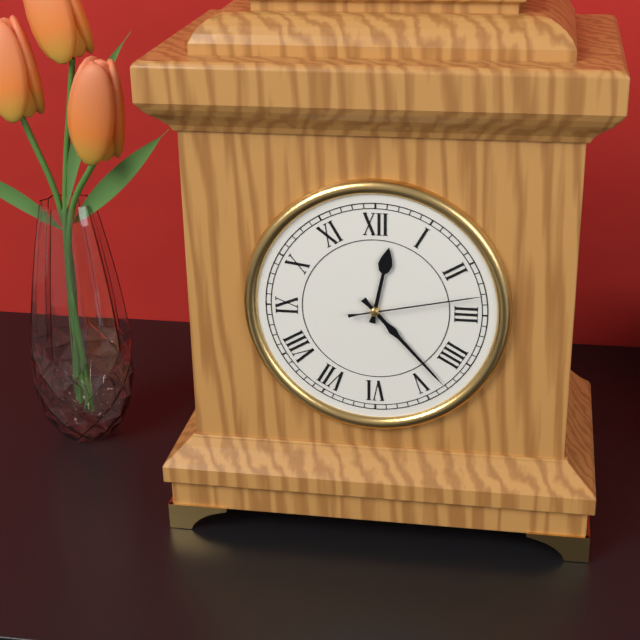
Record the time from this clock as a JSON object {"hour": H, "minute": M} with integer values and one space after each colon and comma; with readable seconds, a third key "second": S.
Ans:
{"hour": 12, "minute": 23, "second": 13}
